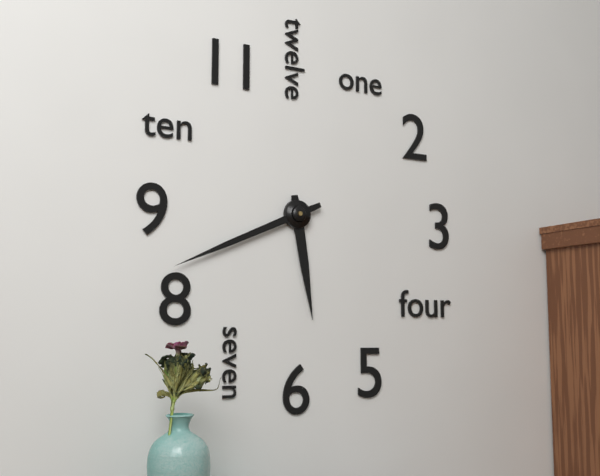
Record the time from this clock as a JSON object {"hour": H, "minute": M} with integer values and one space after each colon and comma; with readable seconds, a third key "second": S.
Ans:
{"hour": 5, "minute": 41}
